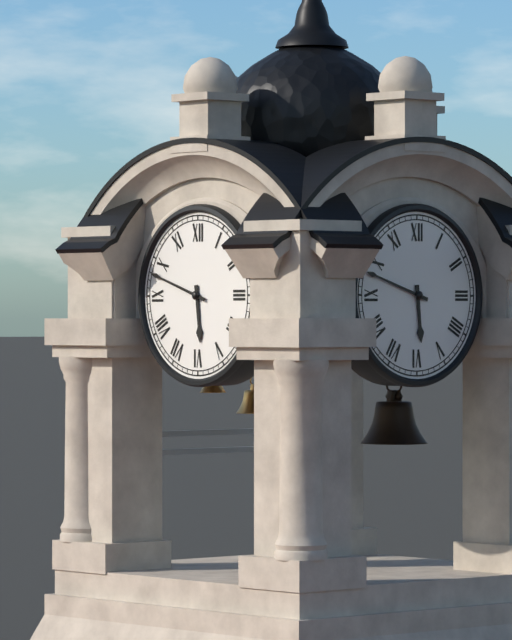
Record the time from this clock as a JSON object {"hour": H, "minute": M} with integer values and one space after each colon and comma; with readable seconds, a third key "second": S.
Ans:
{"hour": 5, "minute": 48}
